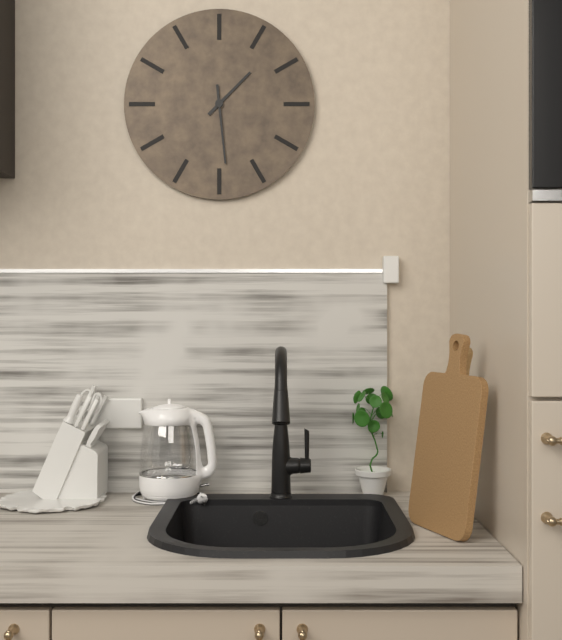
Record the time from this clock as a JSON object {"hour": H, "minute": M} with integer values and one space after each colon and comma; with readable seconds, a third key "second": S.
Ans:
{"hour": 1, "minute": 29}
